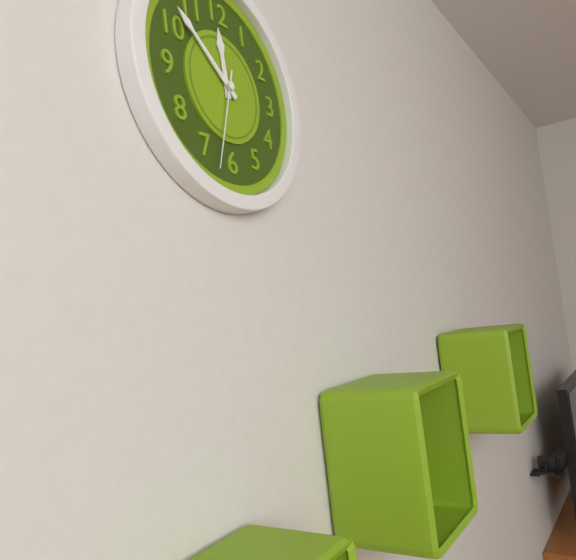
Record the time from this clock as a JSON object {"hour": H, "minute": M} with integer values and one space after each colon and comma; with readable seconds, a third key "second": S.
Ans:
{"hour": 11, "minute": 52, "second": 33}
